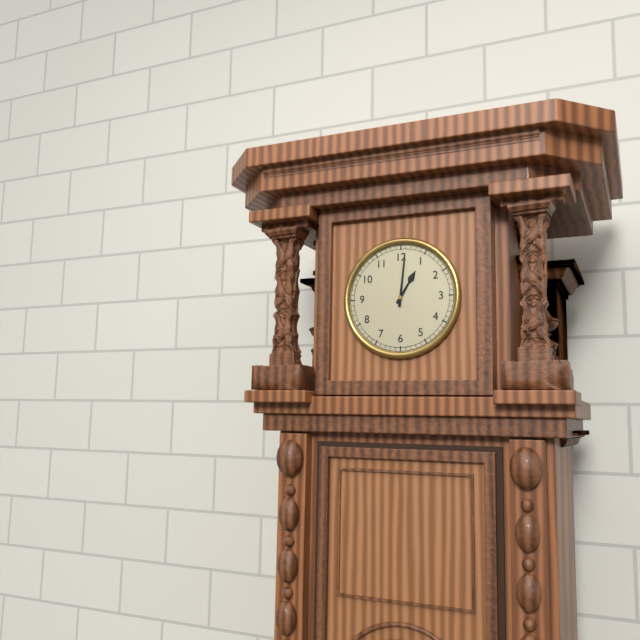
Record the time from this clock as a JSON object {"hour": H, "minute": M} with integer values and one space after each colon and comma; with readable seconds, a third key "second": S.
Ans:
{"hour": 1, "minute": 1}
